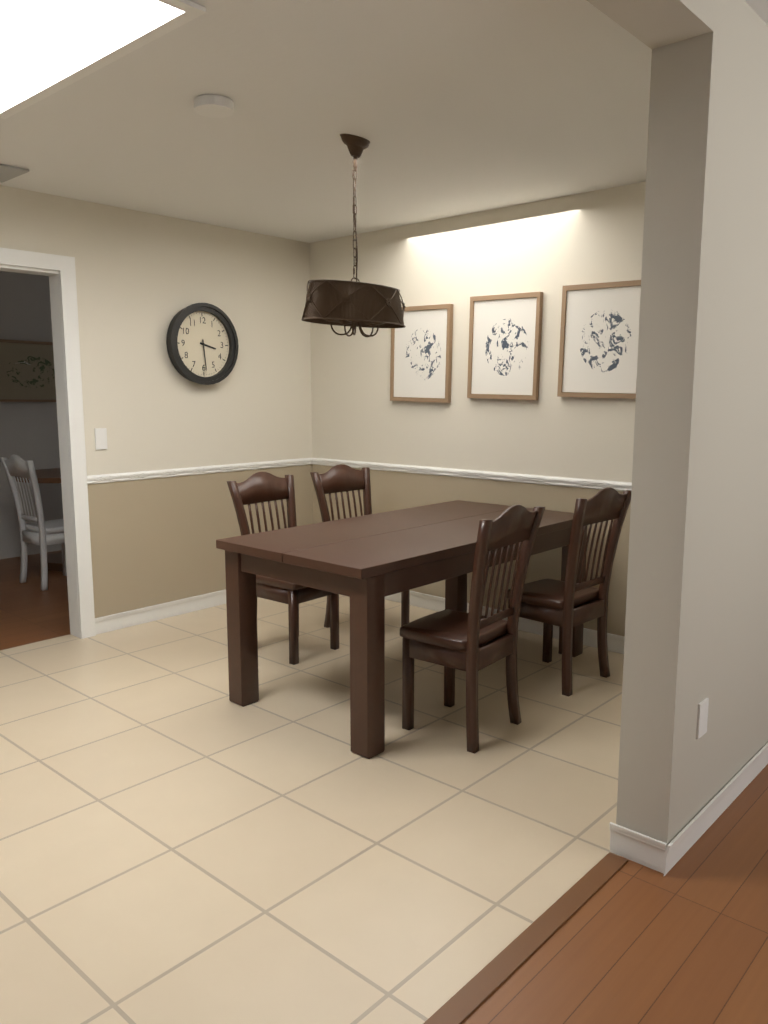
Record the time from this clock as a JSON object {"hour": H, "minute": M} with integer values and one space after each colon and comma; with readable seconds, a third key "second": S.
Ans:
{"hour": 3, "minute": 29}
